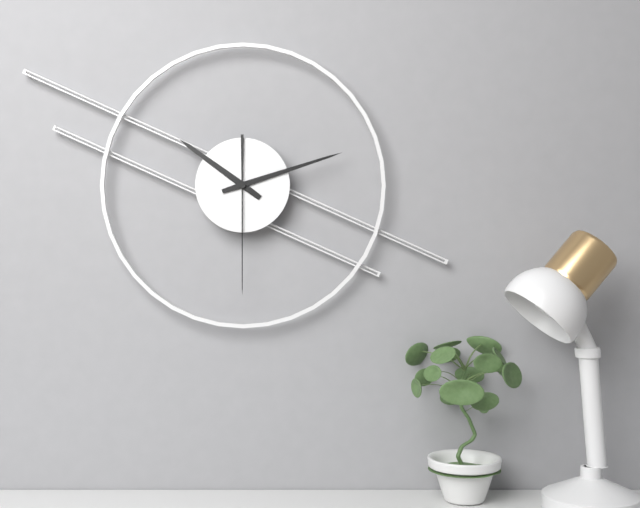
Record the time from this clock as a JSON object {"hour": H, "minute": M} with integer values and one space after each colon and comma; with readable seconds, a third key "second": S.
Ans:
{"hour": 10, "minute": 12, "second": 30}
